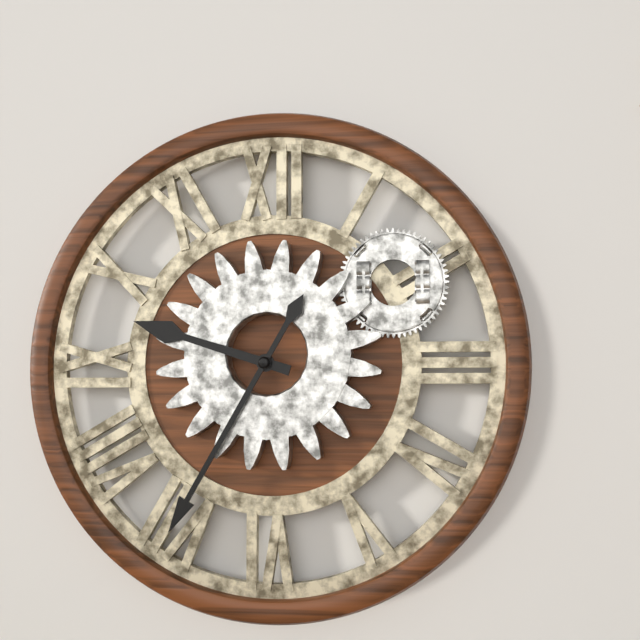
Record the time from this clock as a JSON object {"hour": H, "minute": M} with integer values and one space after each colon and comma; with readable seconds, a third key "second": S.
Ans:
{"hour": 9, "minute": 35}
